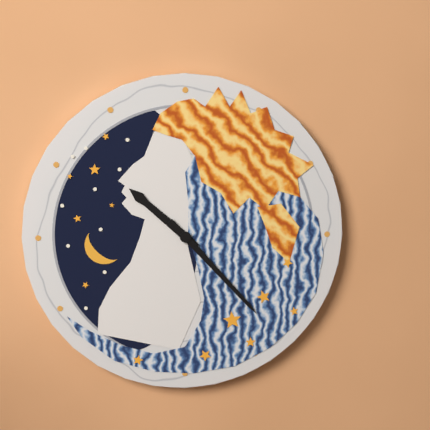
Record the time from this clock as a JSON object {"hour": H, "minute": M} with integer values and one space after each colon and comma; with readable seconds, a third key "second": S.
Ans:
{"hour": 10, "minute": 23}
